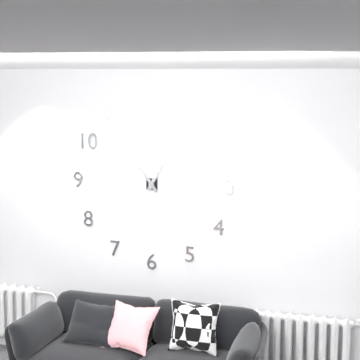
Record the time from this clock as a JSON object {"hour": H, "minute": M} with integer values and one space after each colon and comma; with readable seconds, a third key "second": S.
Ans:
{"hour": 12, "minute": 54}
